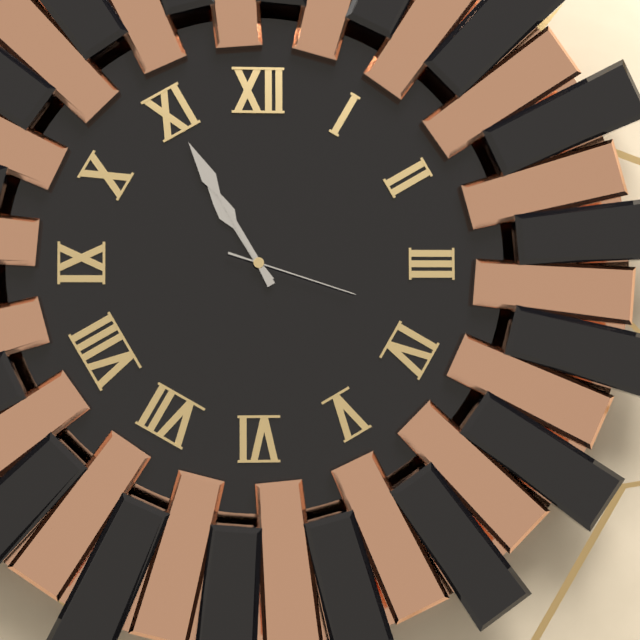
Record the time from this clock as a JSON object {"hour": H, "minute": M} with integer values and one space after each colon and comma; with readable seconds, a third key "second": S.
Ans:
{"hour": 10, "minute": 55, "second": 18}
